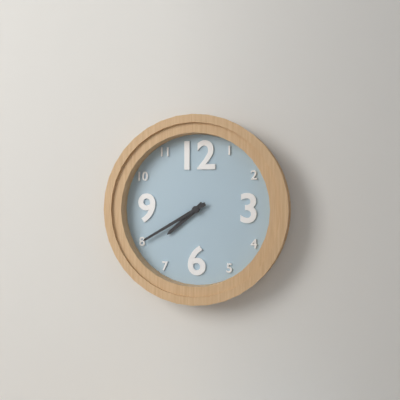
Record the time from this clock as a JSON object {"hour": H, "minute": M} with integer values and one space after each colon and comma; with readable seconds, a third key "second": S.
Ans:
{"hour": 7, "minute": 40}
